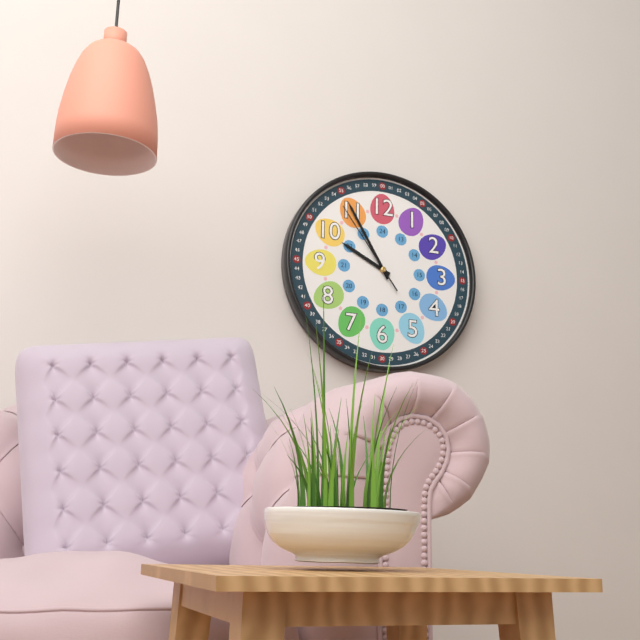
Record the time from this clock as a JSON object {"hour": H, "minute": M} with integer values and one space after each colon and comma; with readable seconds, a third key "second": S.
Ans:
{"hour": 9, "minute": 55, "second": 54}
